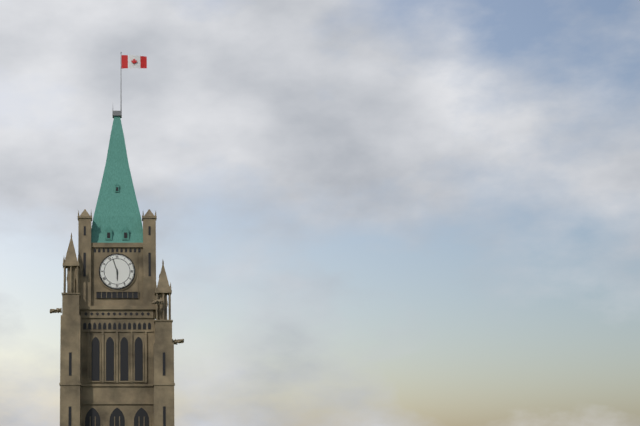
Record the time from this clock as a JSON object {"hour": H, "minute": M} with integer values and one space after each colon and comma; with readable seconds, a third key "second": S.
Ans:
{"hour": 5, "minute": 57}
